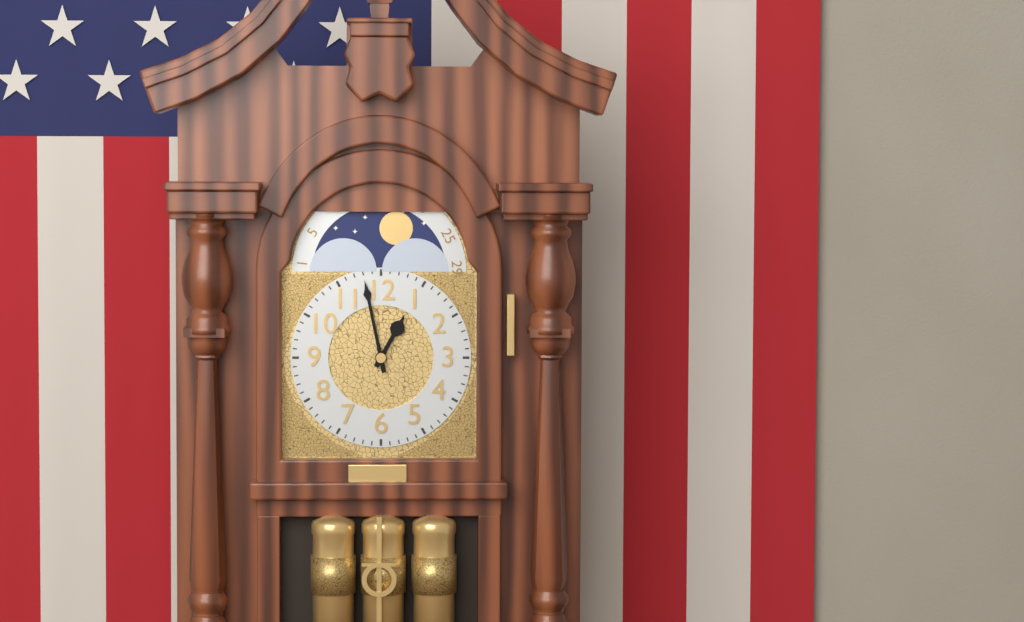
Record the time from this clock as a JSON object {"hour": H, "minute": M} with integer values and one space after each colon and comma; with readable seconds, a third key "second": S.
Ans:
{"hour": 12, "minute": 58}
